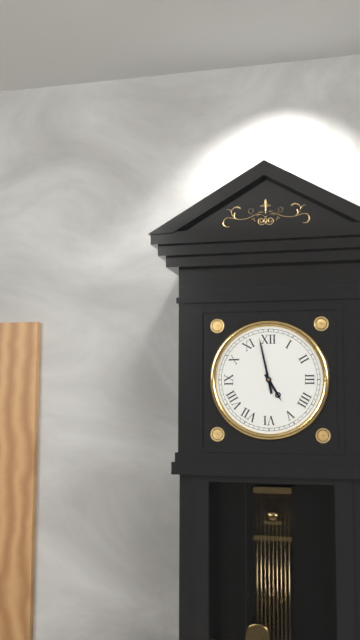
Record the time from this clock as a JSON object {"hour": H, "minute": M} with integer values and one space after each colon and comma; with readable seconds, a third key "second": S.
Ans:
{"hour": 4, "minute": 58}
